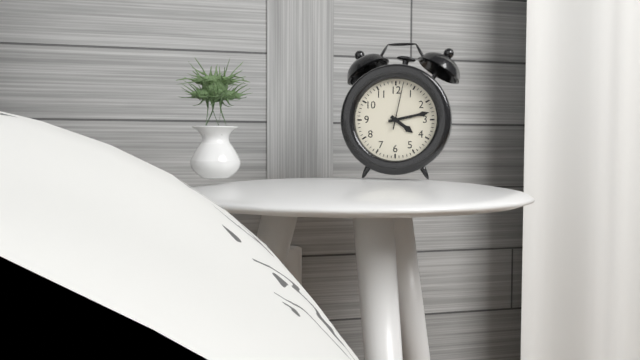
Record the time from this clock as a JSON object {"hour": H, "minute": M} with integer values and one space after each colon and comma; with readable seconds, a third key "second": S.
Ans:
{"hour": 4, "minute": 13}
